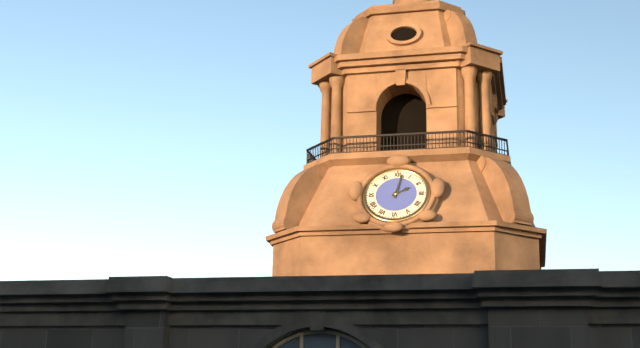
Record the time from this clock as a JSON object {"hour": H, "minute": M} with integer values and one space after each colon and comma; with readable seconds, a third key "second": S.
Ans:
{"hour": 2, "minute": 2}
